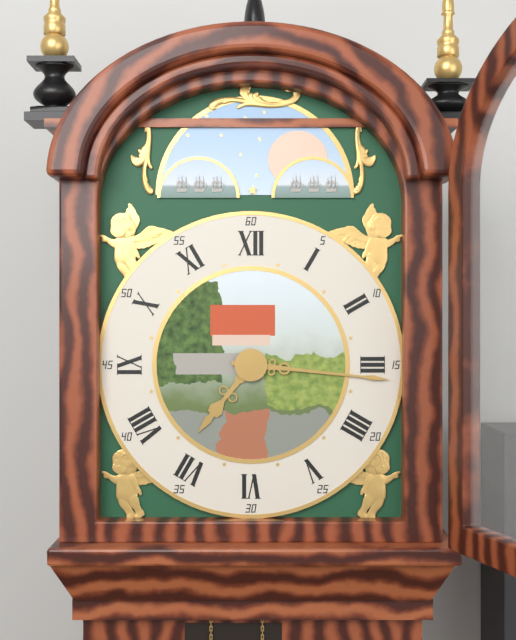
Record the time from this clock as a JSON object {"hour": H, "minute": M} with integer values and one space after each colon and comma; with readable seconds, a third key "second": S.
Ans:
{"hour": 7, "minute": 16}
